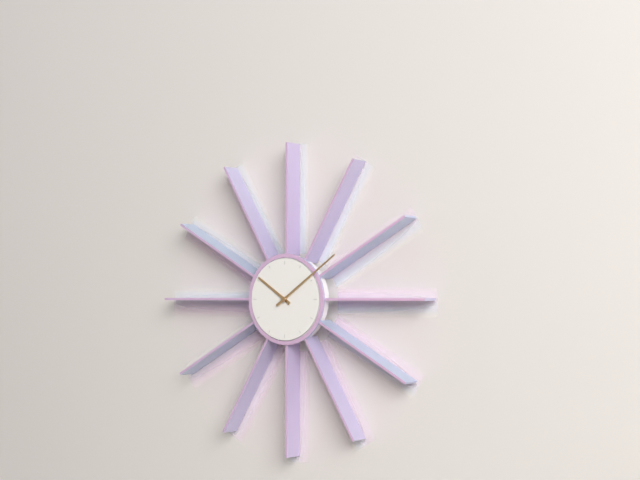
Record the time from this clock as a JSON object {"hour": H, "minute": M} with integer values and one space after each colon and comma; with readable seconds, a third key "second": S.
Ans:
{"hour": 10, "minute": 9}
